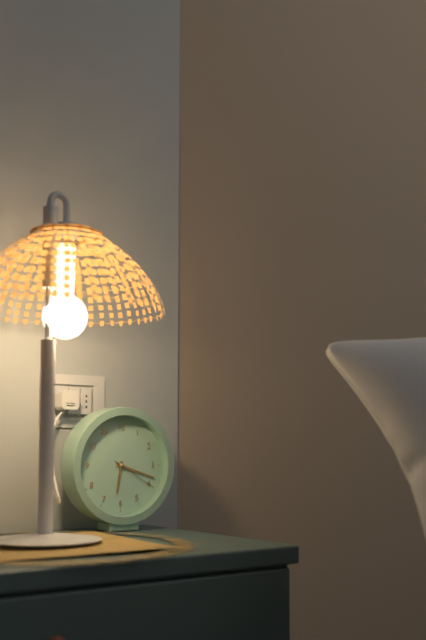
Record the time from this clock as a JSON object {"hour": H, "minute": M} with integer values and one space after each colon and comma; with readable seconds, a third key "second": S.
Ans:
{"hour": 6, "minute": 18}
